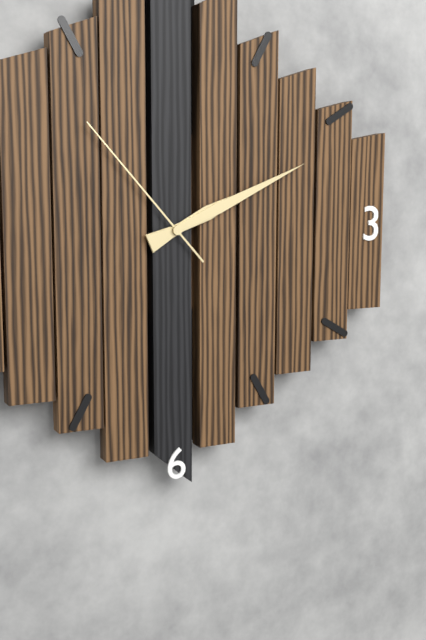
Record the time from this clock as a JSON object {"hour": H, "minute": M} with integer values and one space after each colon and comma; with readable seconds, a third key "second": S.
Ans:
{"hour": 2, "minute": 11, "second": 53}
